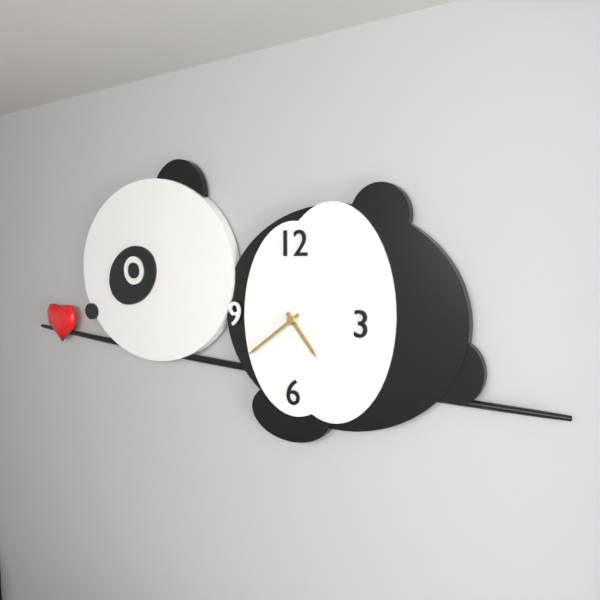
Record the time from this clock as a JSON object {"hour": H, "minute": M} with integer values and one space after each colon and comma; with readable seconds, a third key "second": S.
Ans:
{"hour": 4, "minute": 39}
